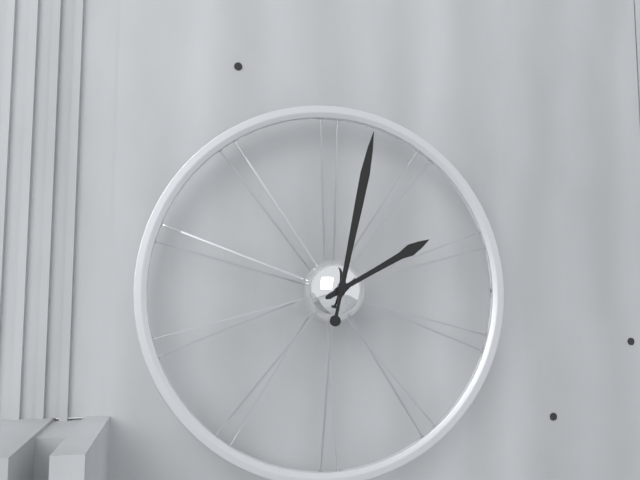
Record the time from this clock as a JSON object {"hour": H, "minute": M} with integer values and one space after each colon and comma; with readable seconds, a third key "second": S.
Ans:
{"hour": 2, "minute": 2}
